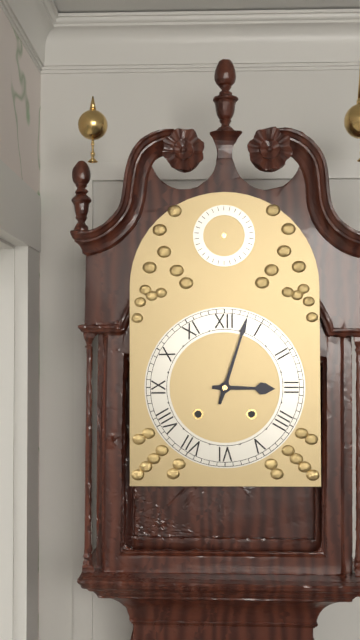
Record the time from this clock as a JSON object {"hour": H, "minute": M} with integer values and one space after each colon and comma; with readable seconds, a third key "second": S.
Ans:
{"hour": 3, "minute": 3}
